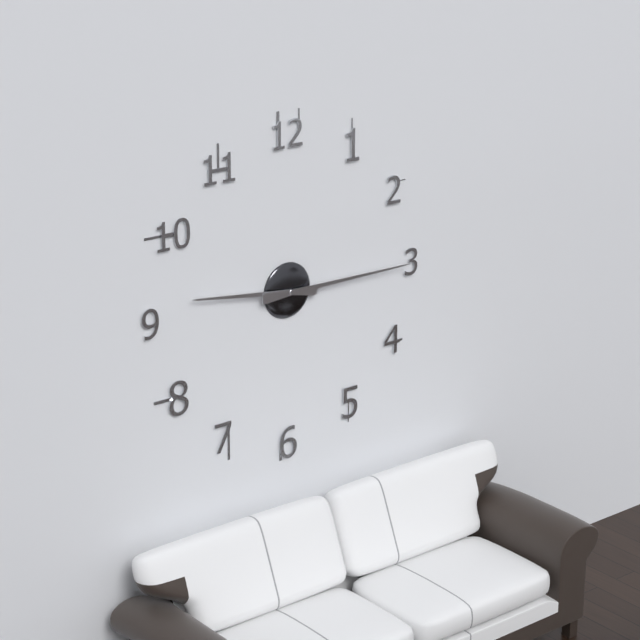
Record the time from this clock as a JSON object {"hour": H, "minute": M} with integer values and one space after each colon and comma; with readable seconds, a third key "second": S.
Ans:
{"hour": 9, "minute": 15}
